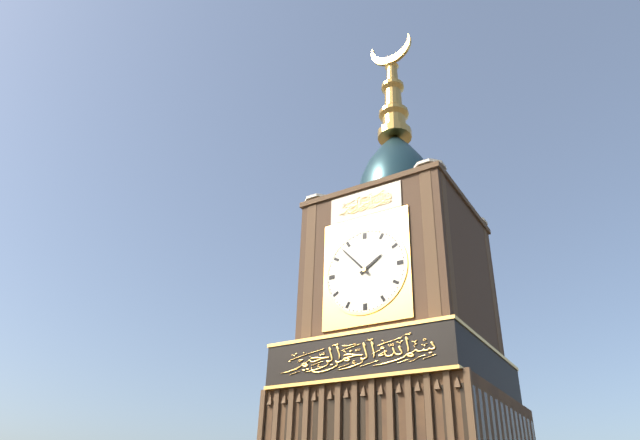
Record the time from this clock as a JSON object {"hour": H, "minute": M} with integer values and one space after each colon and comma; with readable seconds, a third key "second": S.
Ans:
{"hour": 1, "minute": 53}
